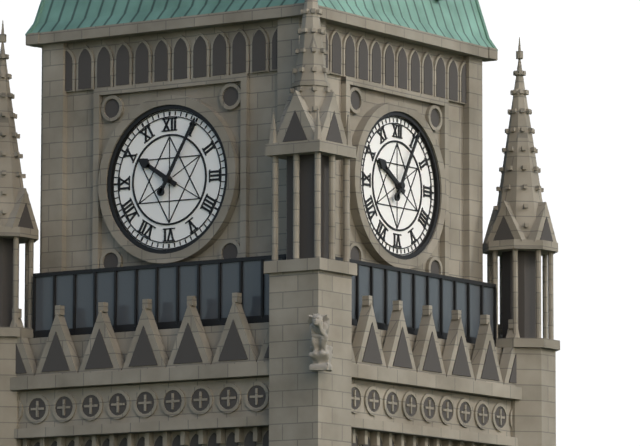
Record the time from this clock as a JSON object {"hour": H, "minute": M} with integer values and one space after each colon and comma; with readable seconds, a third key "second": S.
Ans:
{"hour": 10, "minute": 5}
